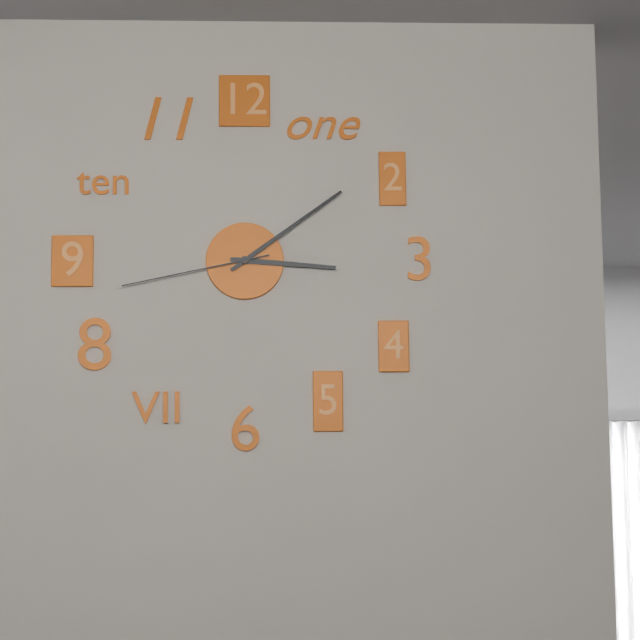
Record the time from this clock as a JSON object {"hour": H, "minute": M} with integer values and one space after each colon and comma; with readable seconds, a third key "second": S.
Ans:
{"hour": 3, "minute": 9, "second": 43}
